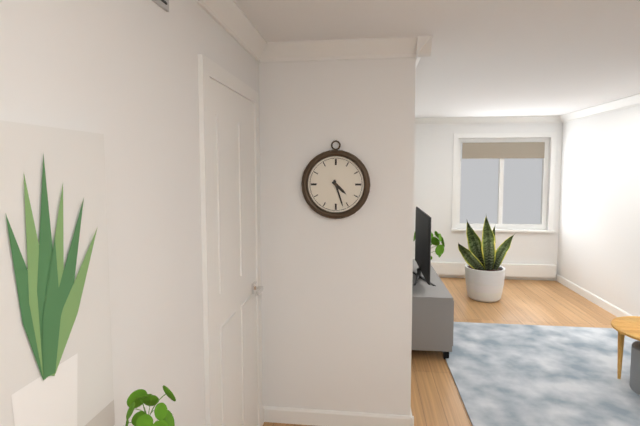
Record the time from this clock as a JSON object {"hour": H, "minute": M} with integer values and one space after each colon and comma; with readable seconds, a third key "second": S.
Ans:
{"hour": 4, "minute": 27}
